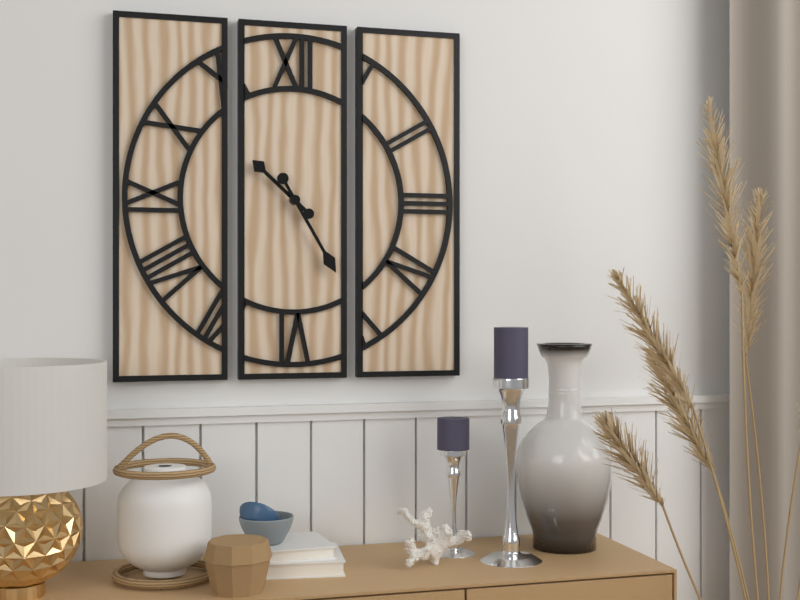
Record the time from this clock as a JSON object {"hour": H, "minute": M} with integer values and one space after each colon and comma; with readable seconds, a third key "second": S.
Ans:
{"hour": 10, "minute": 25}
